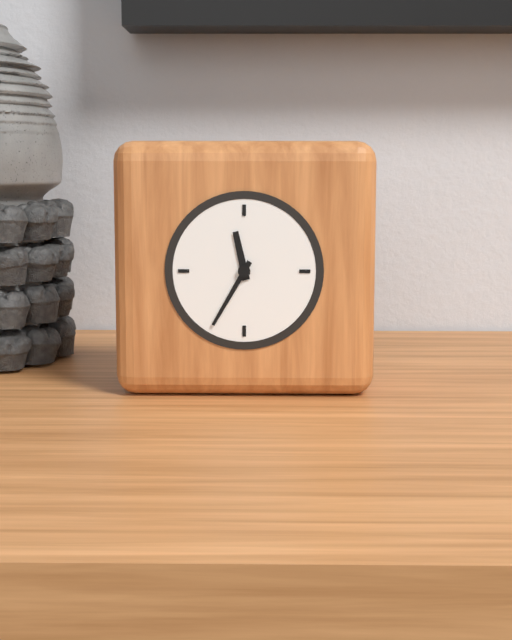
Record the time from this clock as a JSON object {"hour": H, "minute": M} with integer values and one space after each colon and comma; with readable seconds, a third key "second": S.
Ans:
{"hour": 11, "minute": 35}
